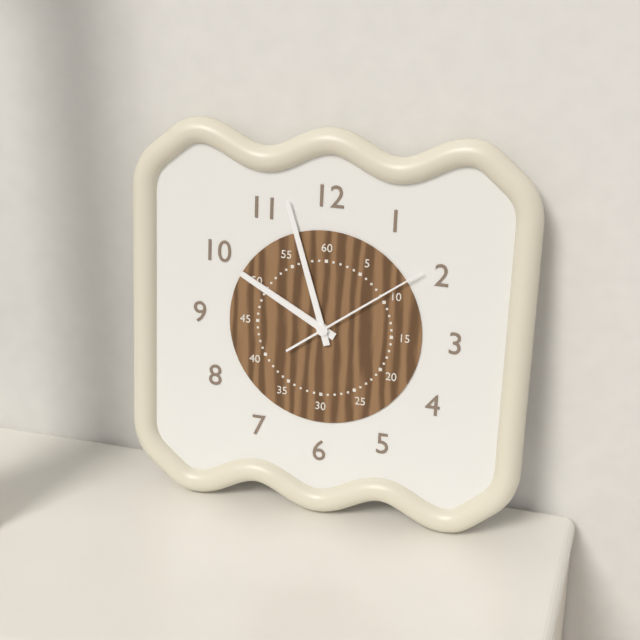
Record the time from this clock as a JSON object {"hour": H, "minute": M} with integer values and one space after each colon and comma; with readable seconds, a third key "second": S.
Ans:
{"hour": 9, "minute": 57, "second": 9}
